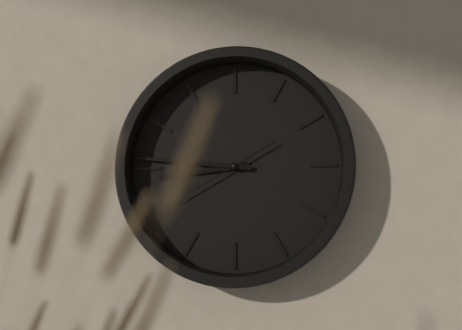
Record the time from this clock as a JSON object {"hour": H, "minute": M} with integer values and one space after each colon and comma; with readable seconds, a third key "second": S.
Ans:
{"hour": 8, "minute": 46, "second": 40}
